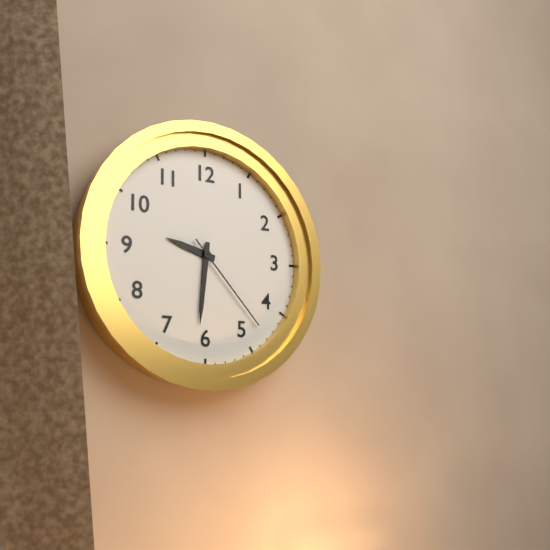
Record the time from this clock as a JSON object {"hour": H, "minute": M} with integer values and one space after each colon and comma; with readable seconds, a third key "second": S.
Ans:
{"hour": 9, "minute": 31, "second": 23}
